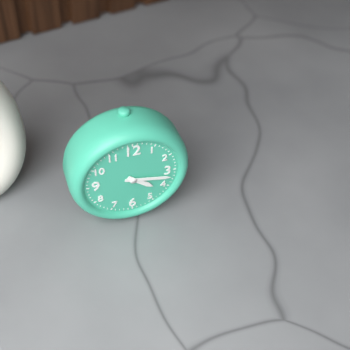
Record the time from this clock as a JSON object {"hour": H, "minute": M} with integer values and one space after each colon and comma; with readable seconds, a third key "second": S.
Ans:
{"hour": 4, "minute": 17}
